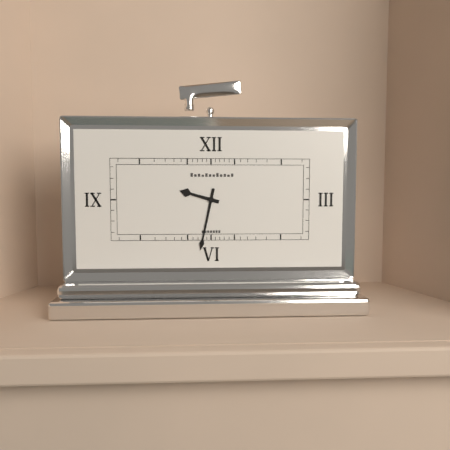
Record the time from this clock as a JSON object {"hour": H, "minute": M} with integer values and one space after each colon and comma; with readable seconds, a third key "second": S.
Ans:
{"hour": 9, "minute": 32}
